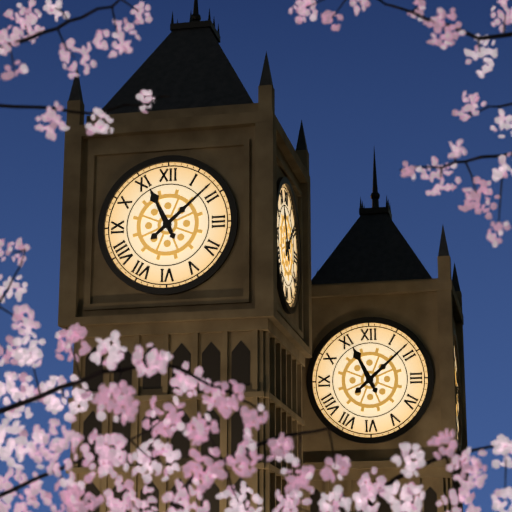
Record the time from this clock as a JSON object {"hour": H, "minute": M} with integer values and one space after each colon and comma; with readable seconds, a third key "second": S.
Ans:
{"hour": 11, "minute": 8}
